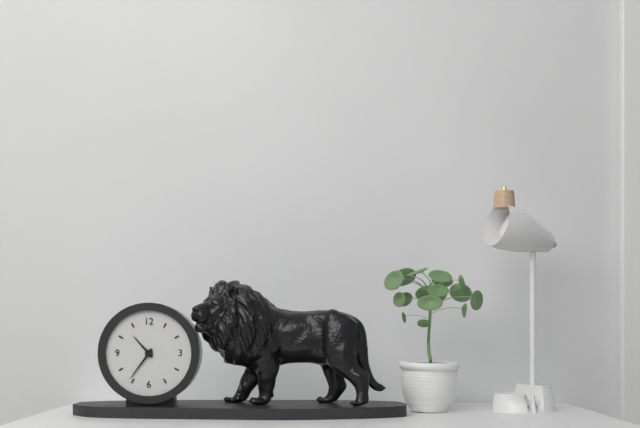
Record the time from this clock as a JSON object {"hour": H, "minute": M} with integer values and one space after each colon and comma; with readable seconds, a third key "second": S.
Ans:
{"hour": 10, "minute": 36}
